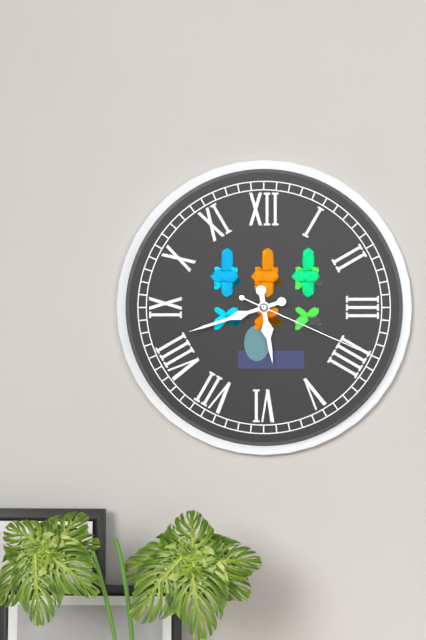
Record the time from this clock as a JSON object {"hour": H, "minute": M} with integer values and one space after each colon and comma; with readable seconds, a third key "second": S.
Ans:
{"hour": 5, "minute": 42, "second": 19}
